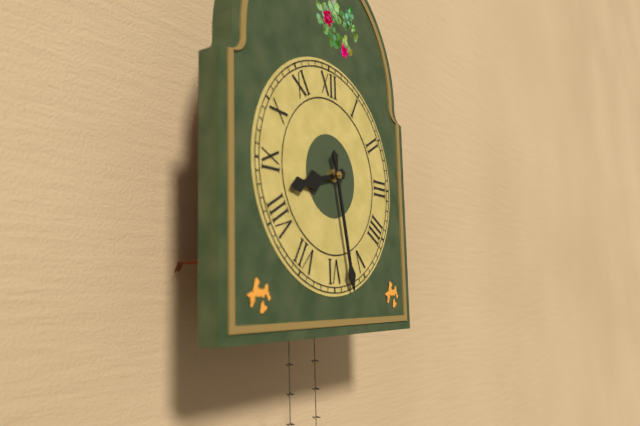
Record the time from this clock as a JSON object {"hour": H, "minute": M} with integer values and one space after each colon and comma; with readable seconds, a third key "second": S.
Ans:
{"hour": 8, "minute": 28}
